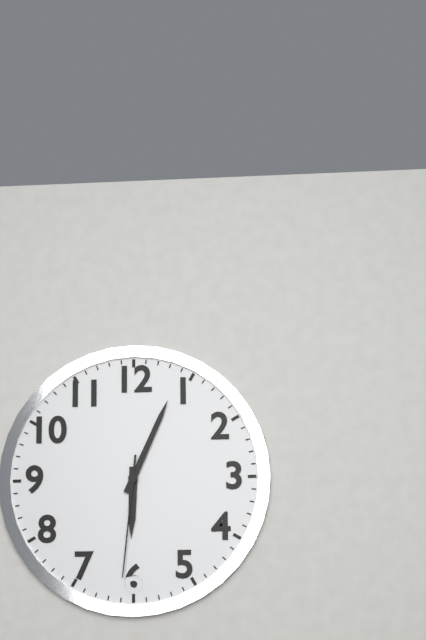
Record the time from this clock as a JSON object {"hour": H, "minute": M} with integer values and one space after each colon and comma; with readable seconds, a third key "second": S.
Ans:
{"hour": 6, "minute": 4, "second": 31}
